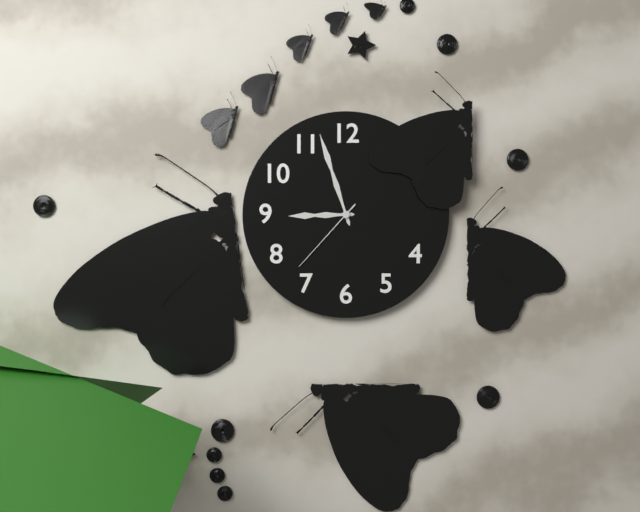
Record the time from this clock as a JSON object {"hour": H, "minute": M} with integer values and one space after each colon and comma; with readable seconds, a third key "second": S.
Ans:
{"hour": 8, "minute": 57, "second": 37}
